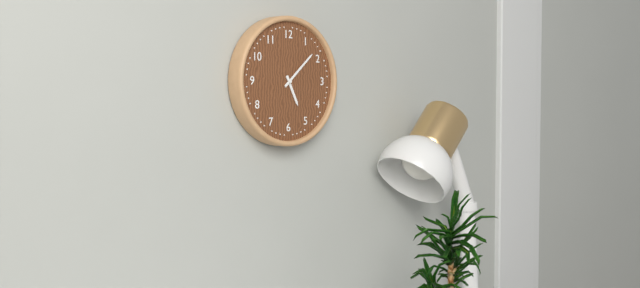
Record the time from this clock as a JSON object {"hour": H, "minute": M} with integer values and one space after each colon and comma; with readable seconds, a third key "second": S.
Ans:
{"hour": 5, "minute": 8}
